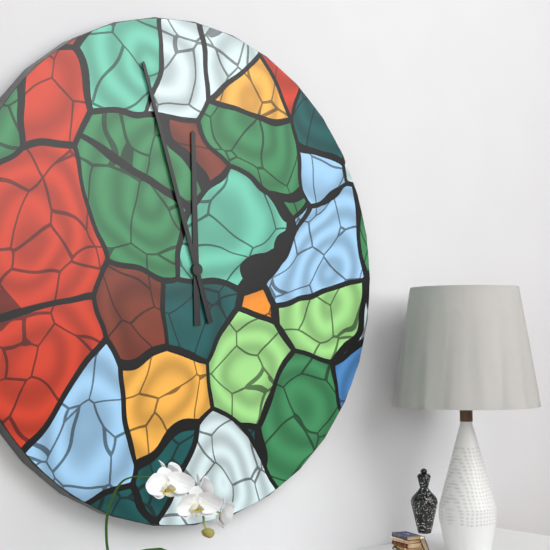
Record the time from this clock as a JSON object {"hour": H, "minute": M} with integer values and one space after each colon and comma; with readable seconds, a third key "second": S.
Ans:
{"hour": 11, "minute": 57}
